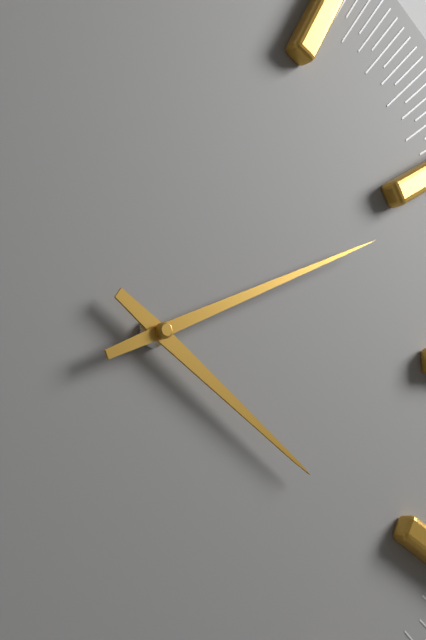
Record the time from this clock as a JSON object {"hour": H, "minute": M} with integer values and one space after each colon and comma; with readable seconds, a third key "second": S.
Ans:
{"hour": 4, "minute": 11}
